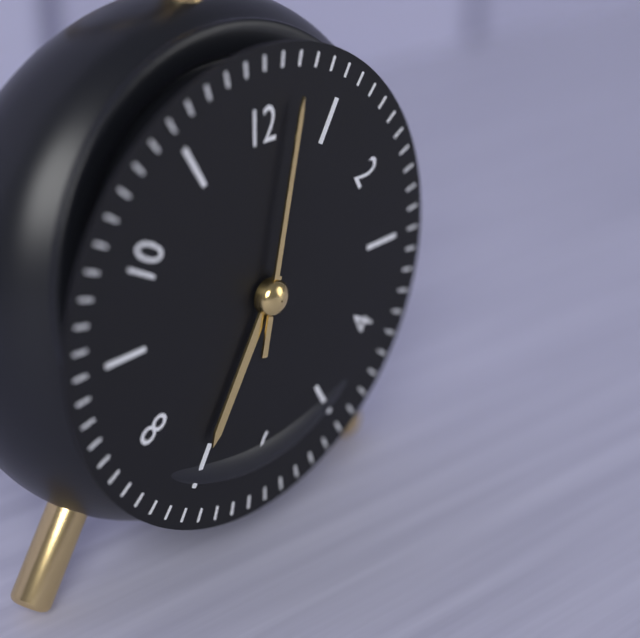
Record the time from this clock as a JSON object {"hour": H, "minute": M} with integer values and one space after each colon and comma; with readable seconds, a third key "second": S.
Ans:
{"hour": 7, "minute": 2}
